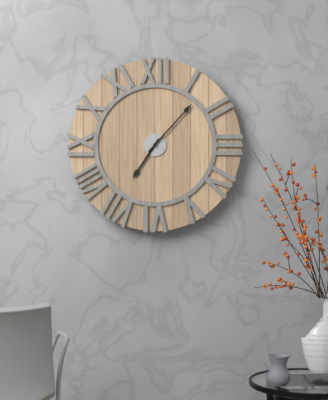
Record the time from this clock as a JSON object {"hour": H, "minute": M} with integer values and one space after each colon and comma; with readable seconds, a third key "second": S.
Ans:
{"hour": 7, "minute": 7}
